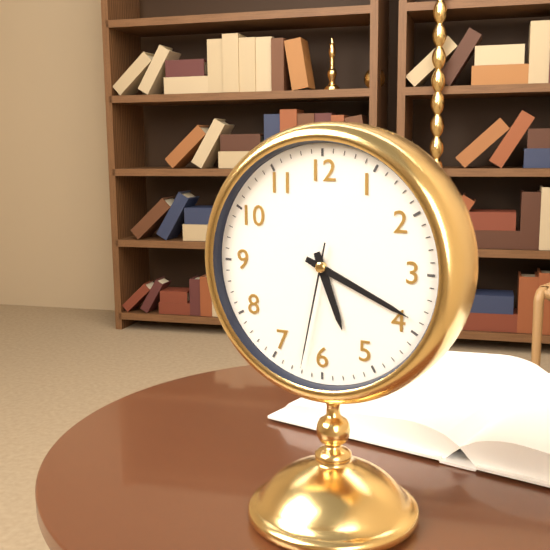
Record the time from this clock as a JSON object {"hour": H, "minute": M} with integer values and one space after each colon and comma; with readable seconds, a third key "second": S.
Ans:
{"hour": 5, "minute": 19, "second": 32}
